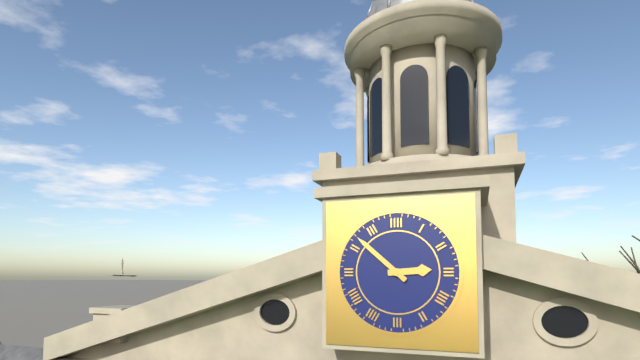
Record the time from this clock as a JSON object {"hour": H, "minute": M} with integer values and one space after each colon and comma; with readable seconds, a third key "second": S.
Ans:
{"hour": 2, "minute": 52}
